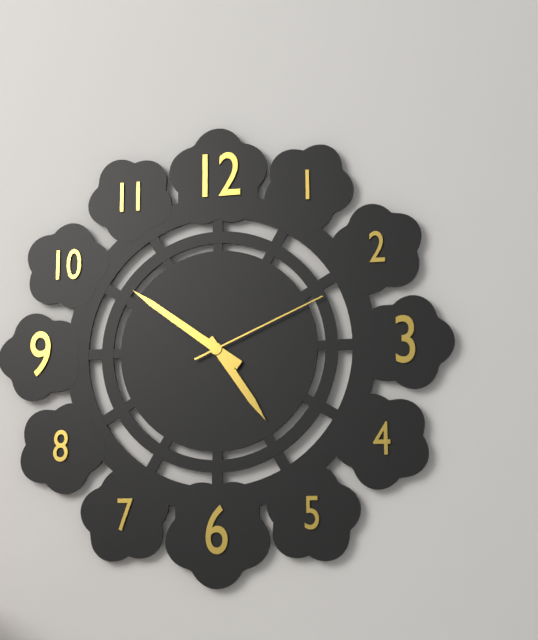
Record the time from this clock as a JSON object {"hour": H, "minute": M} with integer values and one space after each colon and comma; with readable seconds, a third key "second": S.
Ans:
{"hour": 4, "minute": 51, "second": 11}
